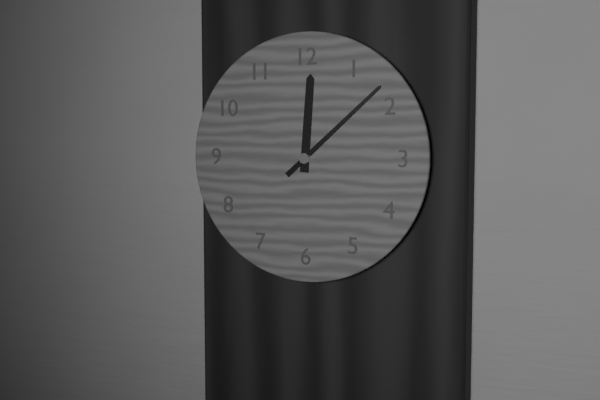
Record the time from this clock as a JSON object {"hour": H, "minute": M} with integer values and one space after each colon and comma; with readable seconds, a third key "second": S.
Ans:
{"hour": 12, "minute": 8}
